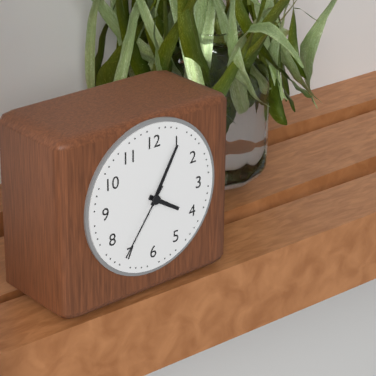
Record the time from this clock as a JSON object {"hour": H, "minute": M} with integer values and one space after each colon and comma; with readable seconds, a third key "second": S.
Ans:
{"hour": 4, "minute": 5, "second": 36}
